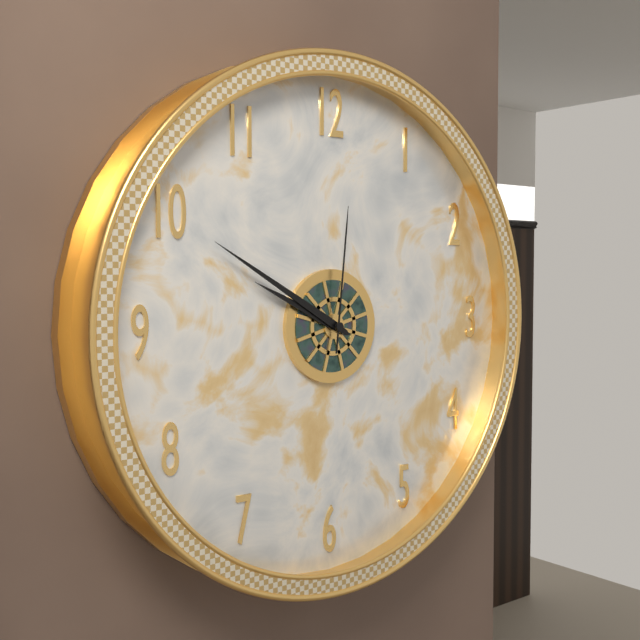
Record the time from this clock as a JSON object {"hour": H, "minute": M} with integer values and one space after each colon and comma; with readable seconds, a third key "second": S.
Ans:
{"hour": 9, "minute": 50, "second": 1}
